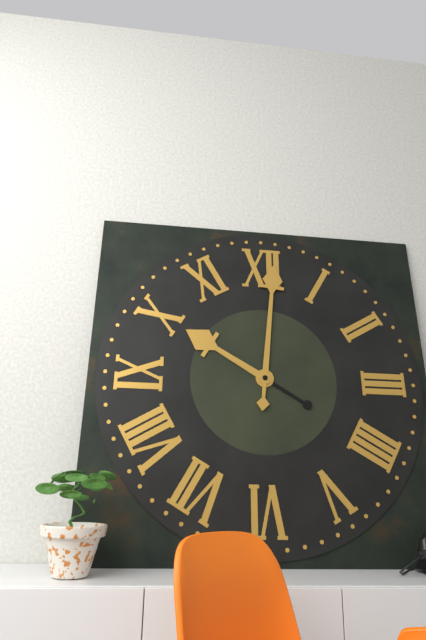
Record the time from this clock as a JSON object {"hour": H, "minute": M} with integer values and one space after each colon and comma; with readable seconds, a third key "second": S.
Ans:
{"hour": 10, "minute": 1}
